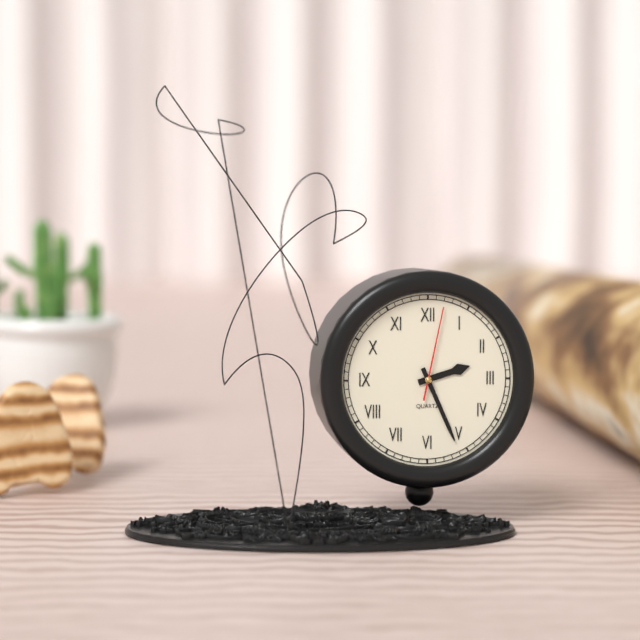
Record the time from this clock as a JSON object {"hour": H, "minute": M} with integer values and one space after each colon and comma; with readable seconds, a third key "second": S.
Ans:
{"hour": 2, "minute": 26, "second": 2}
